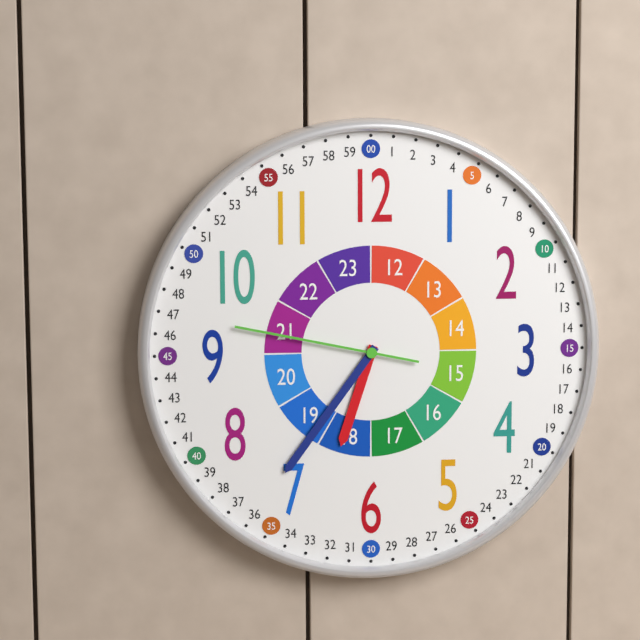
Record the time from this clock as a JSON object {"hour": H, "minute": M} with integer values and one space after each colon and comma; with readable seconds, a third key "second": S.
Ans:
{"hour": 6, "minute": 36, "second": 47}
